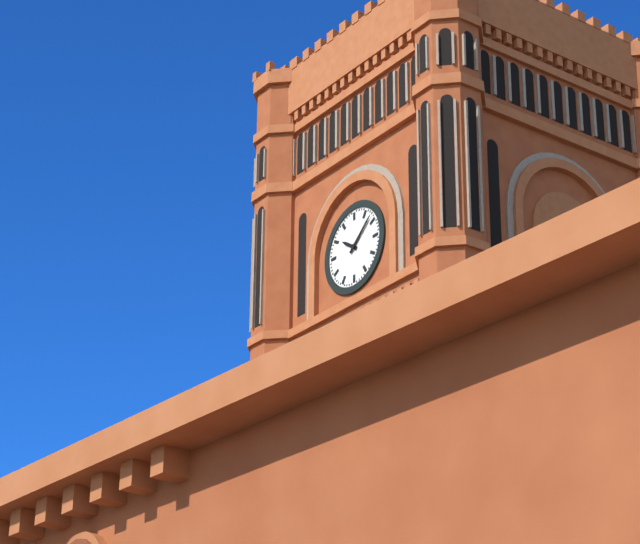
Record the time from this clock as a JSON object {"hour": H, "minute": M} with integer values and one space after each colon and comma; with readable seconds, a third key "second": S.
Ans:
{"hour": 10, "minute": 8}
